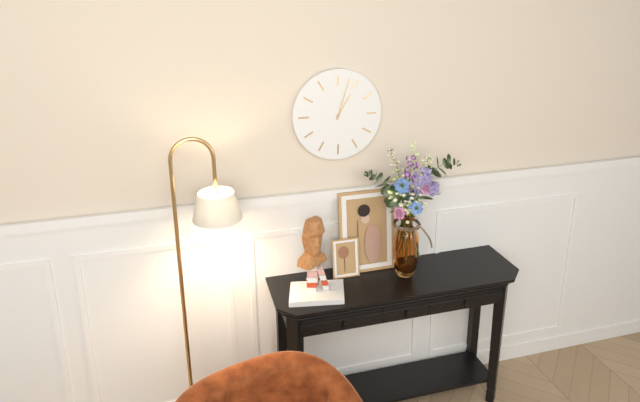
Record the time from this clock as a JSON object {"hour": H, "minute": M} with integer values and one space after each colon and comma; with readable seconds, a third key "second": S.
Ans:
{"hour": 1, "minute": 3}
